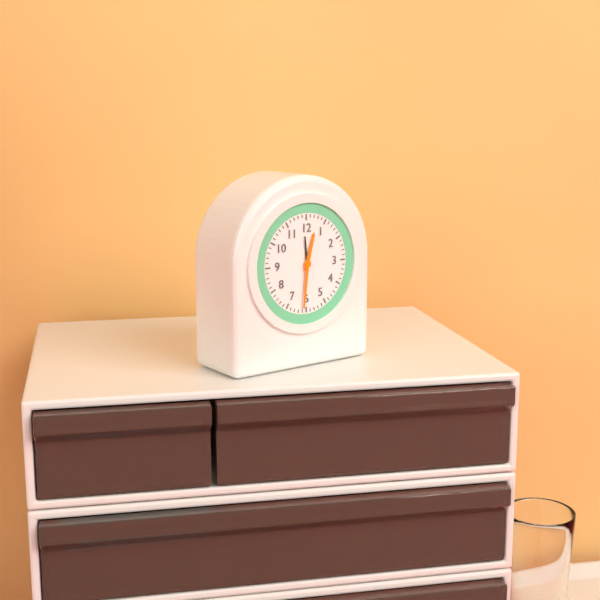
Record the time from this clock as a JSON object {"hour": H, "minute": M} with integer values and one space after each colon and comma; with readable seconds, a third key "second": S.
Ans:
{"hour": 12, "minute": 31}
